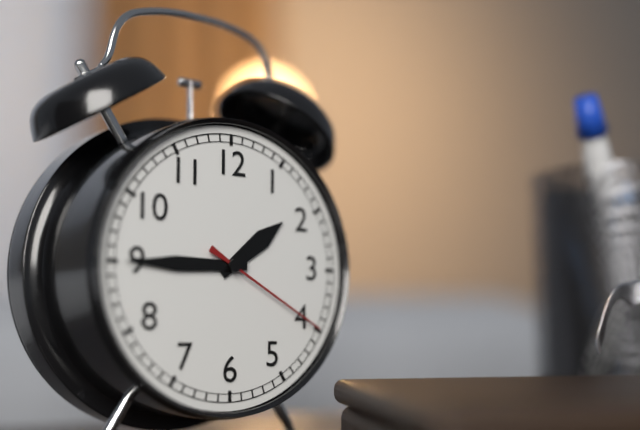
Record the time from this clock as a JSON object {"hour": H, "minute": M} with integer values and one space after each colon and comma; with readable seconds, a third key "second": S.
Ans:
{"hour": 1, "minute": 45, "second": 20}
